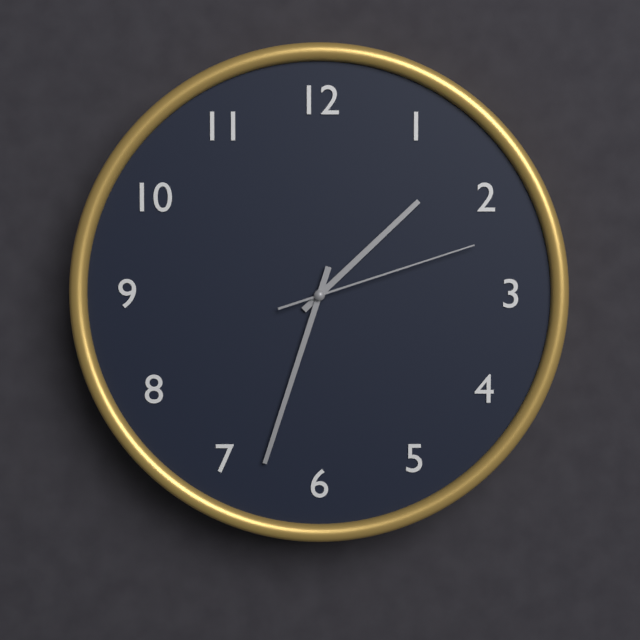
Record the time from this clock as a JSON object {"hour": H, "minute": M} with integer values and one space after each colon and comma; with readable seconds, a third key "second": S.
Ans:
{"hour": 1, "minute": 33, "second": 12}
